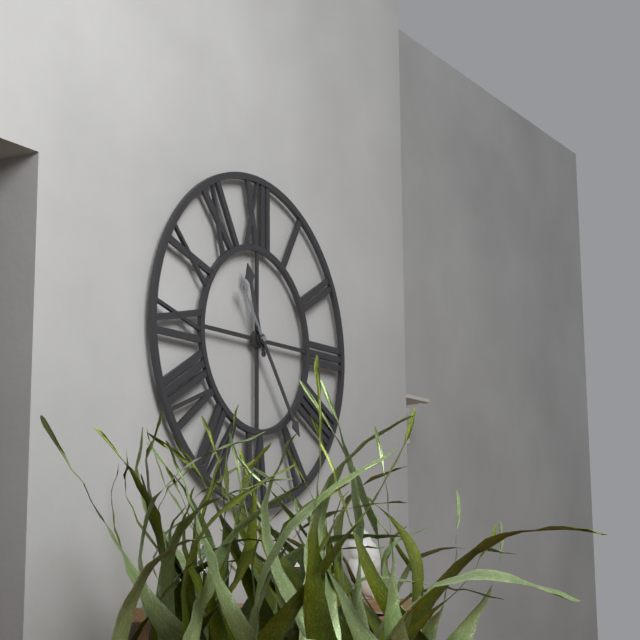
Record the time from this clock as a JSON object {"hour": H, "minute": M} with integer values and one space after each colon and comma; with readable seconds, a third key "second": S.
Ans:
{"hour": 11, "minute": 24}
